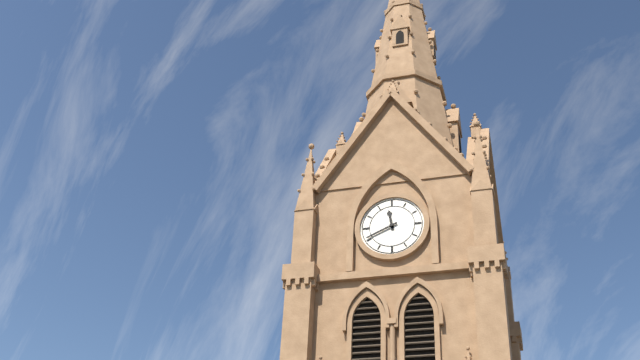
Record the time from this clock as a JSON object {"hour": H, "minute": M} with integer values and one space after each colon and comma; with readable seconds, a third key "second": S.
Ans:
{"hour": 11, "minute": 41}
